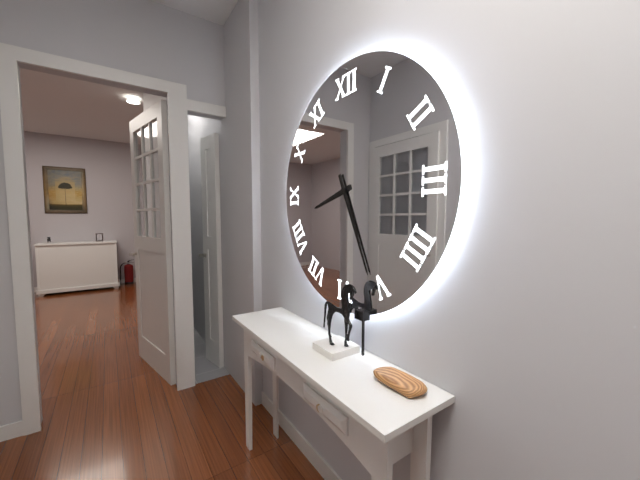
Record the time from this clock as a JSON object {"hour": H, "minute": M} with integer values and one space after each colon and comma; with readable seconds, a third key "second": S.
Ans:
{"hour": 8, "minute": 26}
